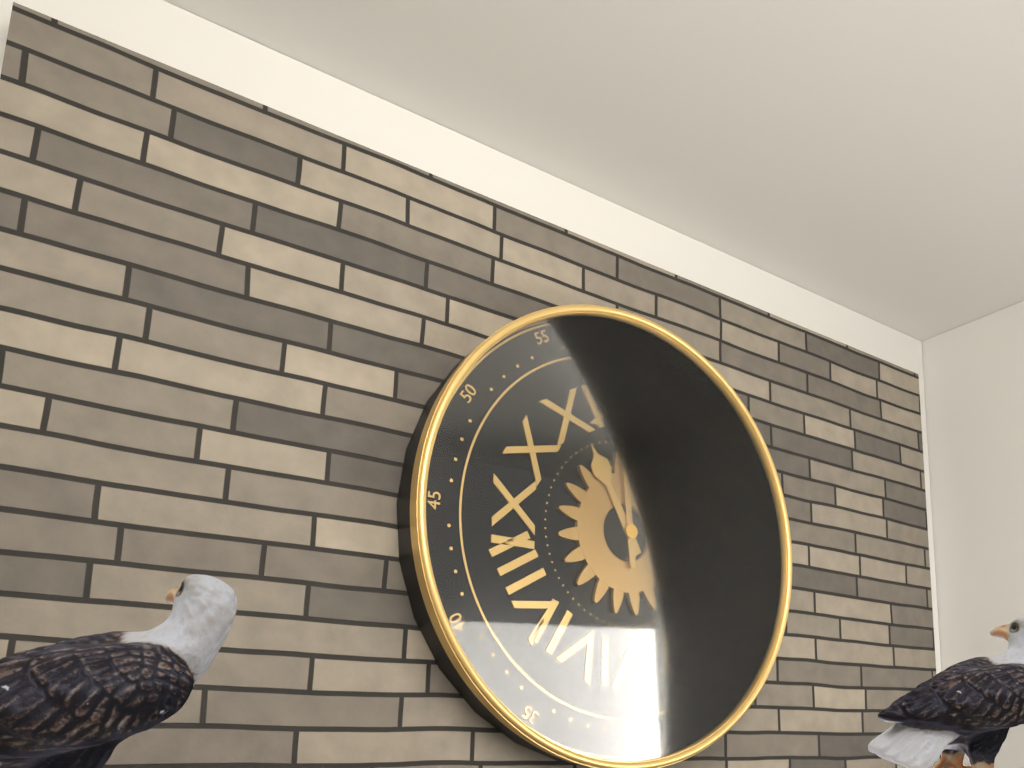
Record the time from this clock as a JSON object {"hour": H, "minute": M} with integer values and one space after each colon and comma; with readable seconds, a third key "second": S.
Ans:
{"hour": 10, "minute": 59}
